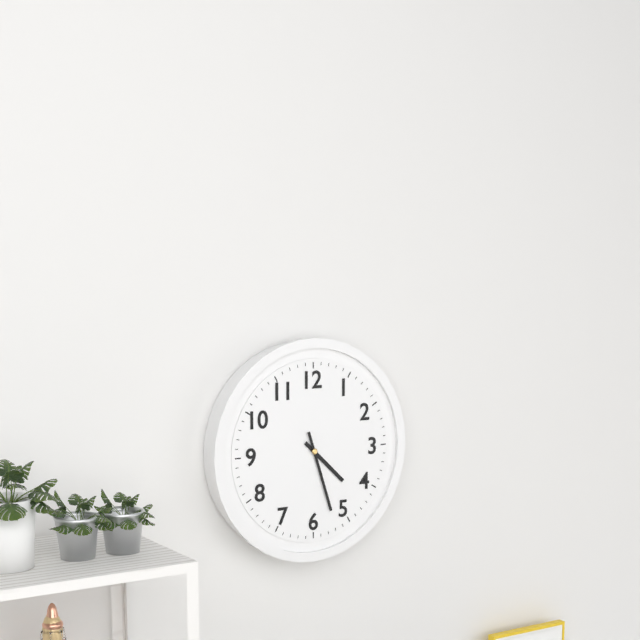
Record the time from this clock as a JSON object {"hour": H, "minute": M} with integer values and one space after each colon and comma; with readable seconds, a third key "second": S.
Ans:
{"hour": 4, "minute": 27}
